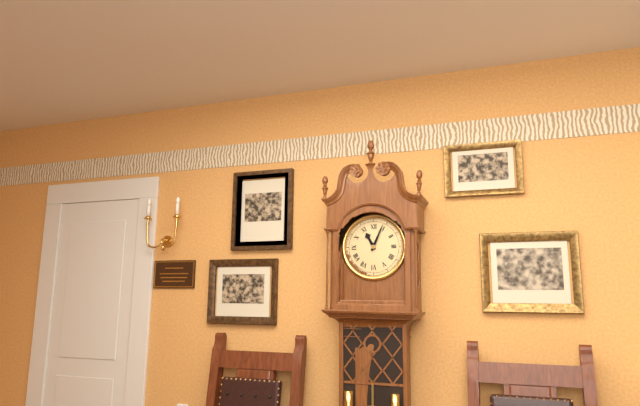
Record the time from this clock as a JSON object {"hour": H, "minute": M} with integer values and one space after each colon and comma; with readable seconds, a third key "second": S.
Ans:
{"hour": 11, "minute": 4}
